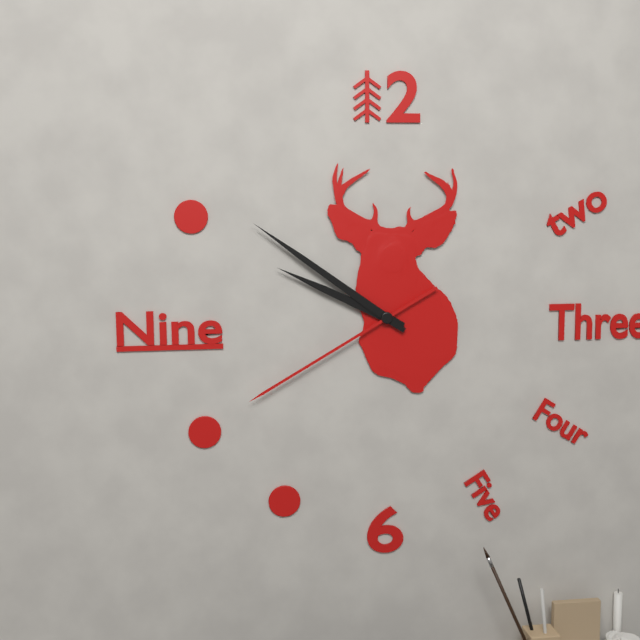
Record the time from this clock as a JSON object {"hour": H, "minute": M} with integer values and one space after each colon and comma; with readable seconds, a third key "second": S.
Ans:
{"hour": 9, "minute": 51, "second": 40}
